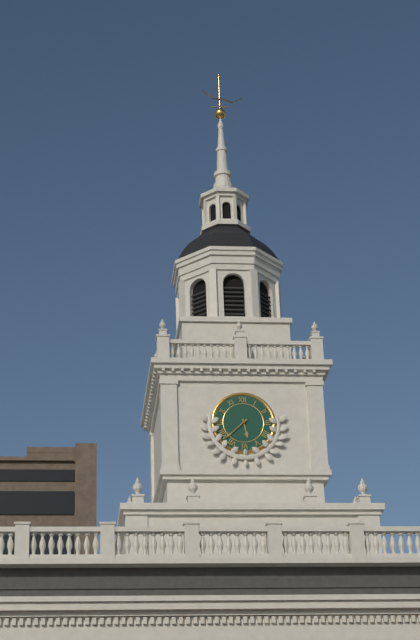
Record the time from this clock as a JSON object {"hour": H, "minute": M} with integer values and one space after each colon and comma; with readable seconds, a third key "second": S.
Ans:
{"hour": 5, "minute": 38}
